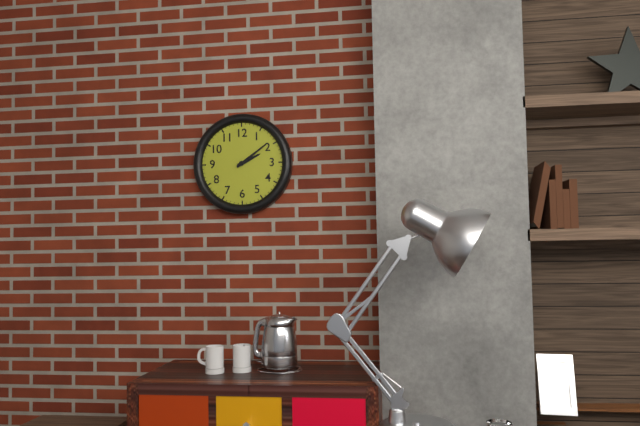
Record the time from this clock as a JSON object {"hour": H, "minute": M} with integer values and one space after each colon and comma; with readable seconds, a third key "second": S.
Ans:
{"hour": 2, "minute": 9}
